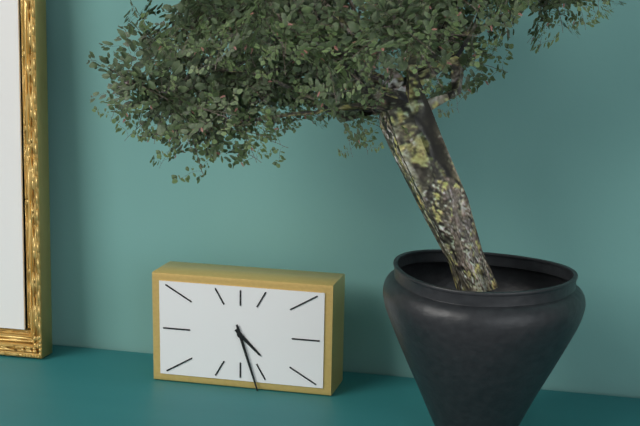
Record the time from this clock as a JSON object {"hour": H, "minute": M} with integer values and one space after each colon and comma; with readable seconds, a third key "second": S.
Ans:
{"hour": 4, "minute": 27}
